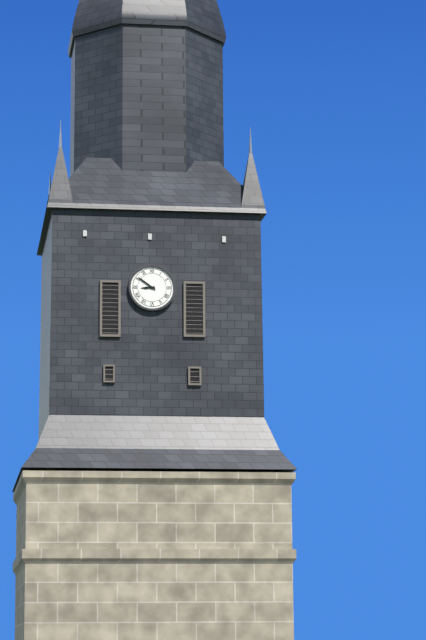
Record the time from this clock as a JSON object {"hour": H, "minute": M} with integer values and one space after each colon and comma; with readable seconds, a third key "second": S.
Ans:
{"hour": 8, "minute": 51}
